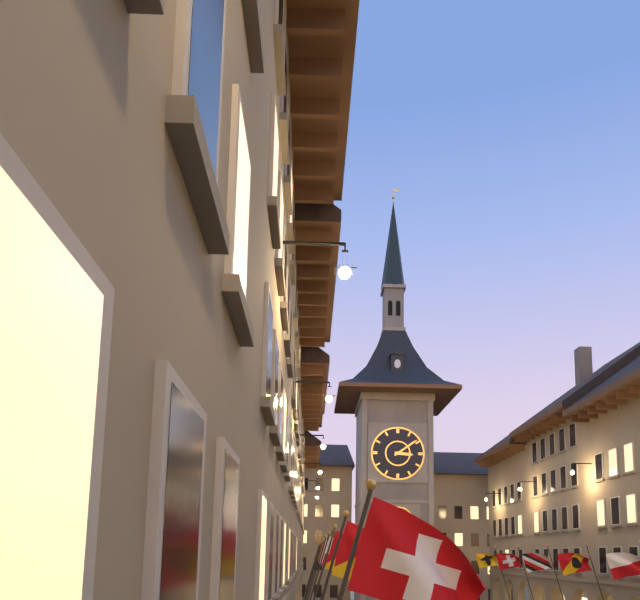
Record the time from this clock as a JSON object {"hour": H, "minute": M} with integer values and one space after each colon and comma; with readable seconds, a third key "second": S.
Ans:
{"hour": 3, "minute": 9}
